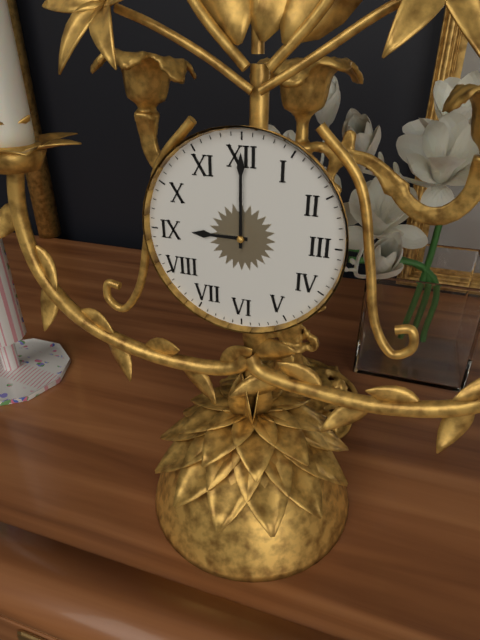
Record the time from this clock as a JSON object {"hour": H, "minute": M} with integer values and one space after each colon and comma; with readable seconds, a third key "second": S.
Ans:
{"hour": 9, "minute": 0}
